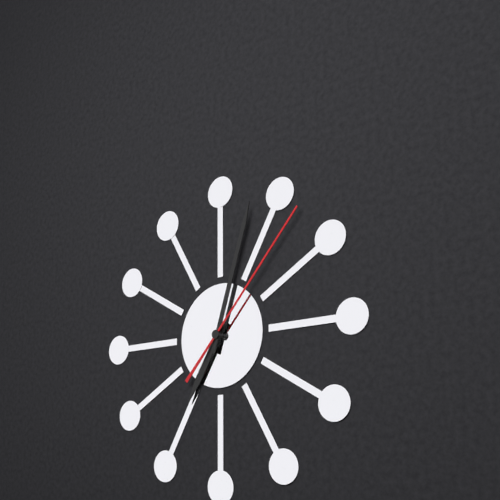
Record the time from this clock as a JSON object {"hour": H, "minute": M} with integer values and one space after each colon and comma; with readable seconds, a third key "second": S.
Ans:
{"hour": 7, "minute": 3, "second": 7}
